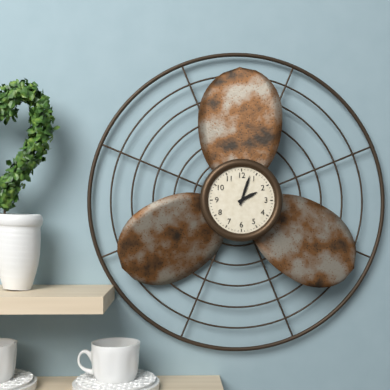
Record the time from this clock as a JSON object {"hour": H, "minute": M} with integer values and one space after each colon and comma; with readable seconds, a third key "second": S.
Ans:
{"hour": 2, "minute": 3}
